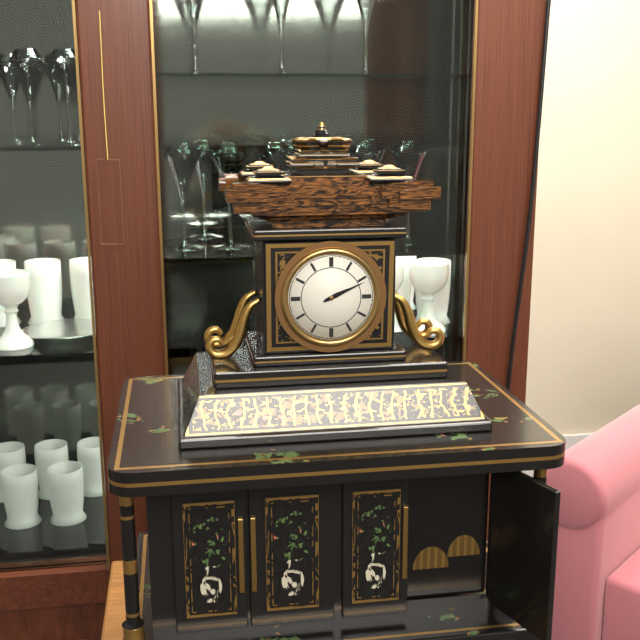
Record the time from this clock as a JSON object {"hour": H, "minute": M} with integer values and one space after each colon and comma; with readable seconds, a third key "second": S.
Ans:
{"hour": 2, "minute": 11}
